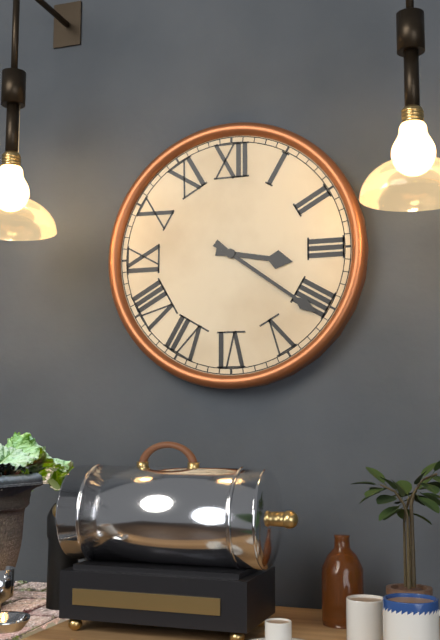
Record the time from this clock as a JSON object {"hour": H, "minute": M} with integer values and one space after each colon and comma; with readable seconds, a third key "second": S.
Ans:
{"hour": 3, "minute": 21}
